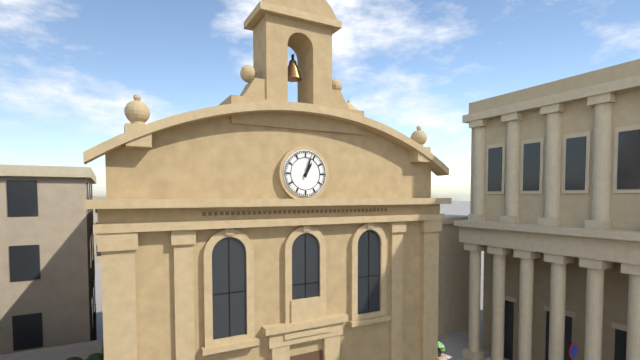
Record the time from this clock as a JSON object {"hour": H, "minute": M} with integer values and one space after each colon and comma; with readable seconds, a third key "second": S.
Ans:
{"hour": 1, "minute": 3}
